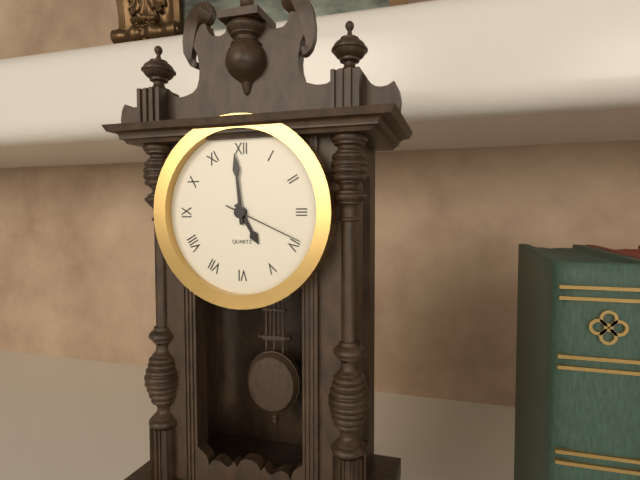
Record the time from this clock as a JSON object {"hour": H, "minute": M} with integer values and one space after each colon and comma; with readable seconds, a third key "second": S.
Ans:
{"hour": 4, "minute": 59, "second": 19}
